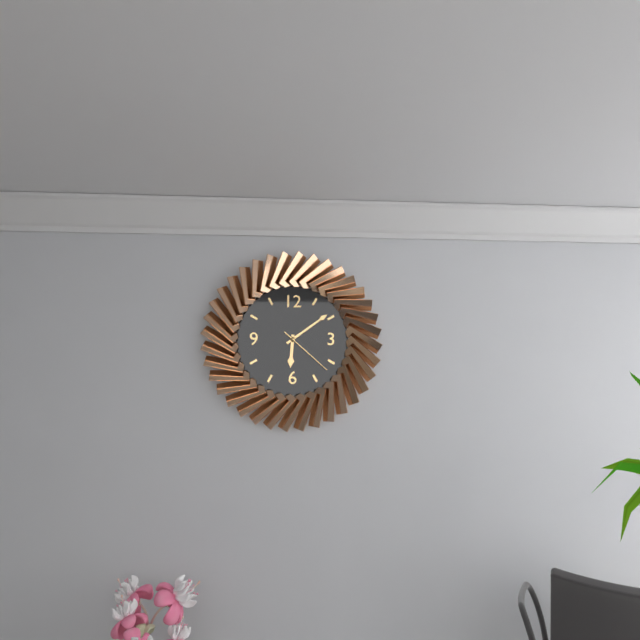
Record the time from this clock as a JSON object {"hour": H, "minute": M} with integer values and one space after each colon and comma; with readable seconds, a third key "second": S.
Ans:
{"hour": 6, "minute": 9, "second": 22}
